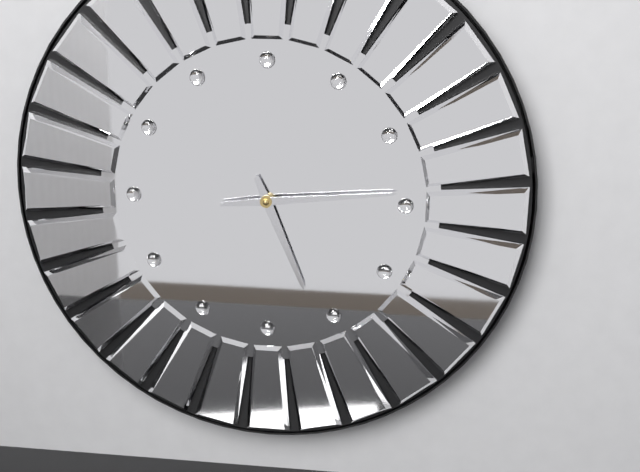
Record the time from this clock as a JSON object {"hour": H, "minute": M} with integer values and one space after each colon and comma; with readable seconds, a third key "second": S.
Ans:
{"hour": 5, "minute": 14}
